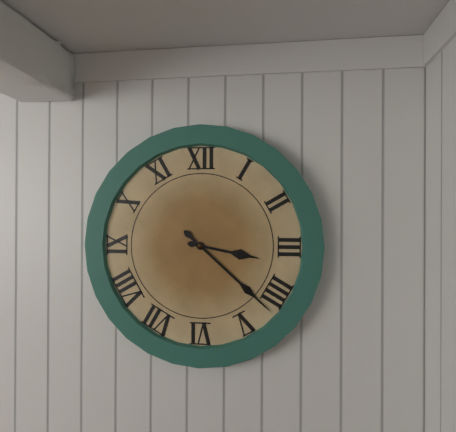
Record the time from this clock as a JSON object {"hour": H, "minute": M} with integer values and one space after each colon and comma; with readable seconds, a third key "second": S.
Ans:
{"hour": 3, "minute": 22}
